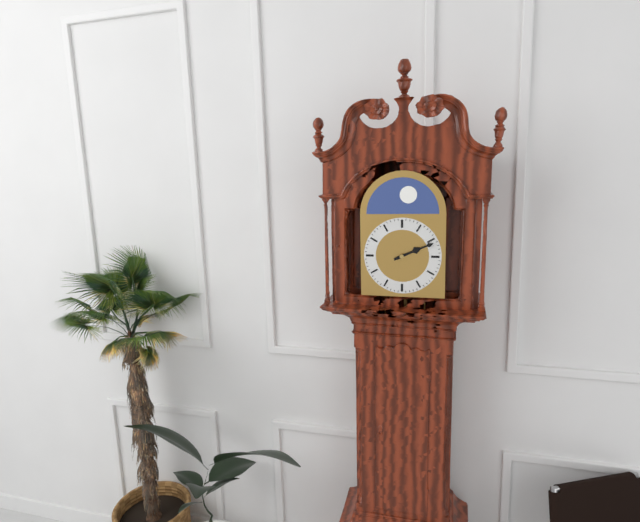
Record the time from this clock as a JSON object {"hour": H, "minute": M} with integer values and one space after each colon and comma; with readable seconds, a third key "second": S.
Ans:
{"hour": 2, "minute": 11}
